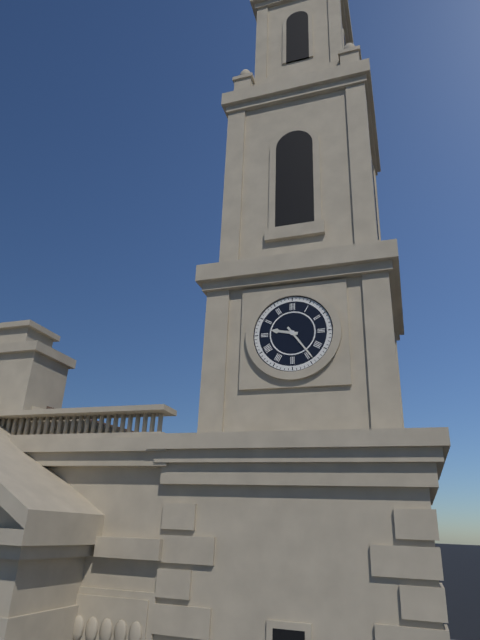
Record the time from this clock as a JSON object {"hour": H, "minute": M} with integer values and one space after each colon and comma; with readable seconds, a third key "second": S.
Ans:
{"hour": 9, "minute": 24}
